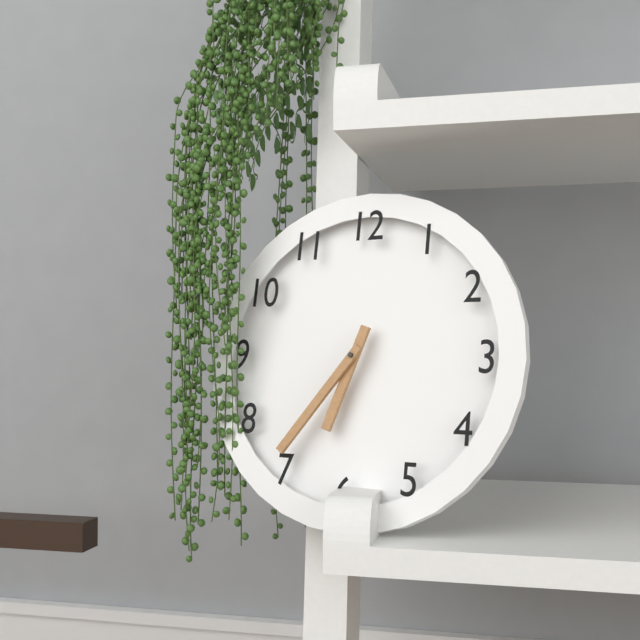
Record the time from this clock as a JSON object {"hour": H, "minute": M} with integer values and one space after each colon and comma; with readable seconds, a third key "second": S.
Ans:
{"hour": 6, "minute": 36}
